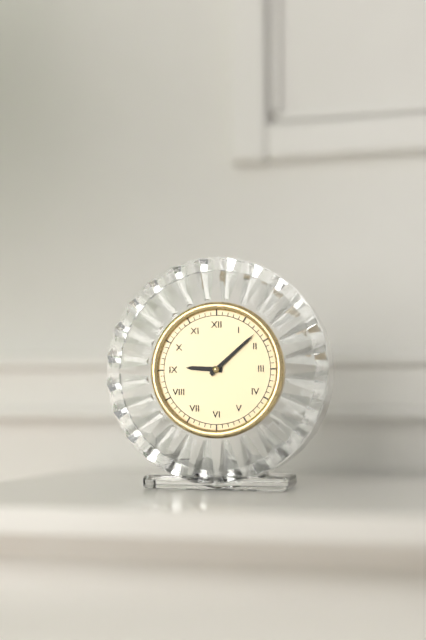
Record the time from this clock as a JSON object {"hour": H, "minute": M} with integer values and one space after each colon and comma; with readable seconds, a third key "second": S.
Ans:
{"hour": 9, "minute": 8}
